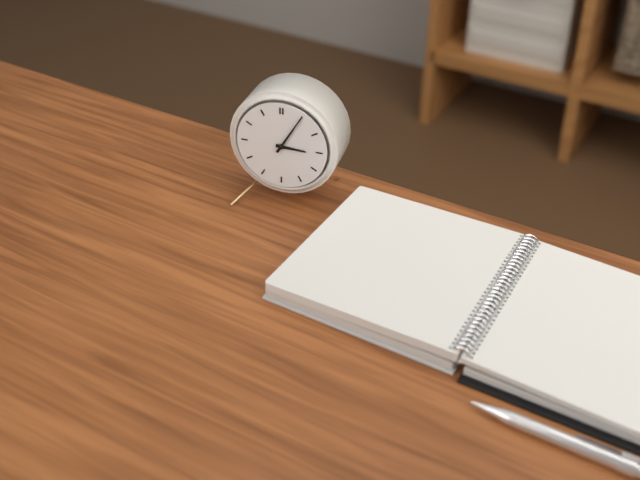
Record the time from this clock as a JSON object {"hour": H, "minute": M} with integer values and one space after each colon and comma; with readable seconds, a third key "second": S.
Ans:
{"hour": 3, "minute": 5}
